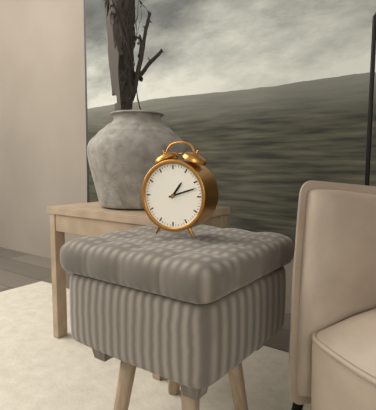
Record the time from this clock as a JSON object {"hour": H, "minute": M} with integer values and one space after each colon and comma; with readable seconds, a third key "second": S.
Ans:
{"hour": 1, "minute": 12}
